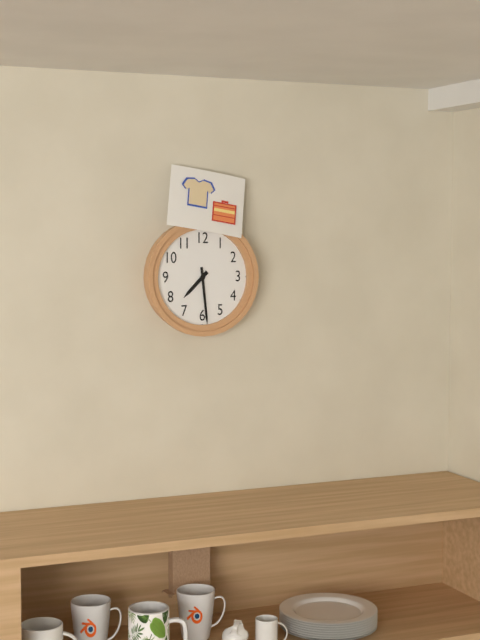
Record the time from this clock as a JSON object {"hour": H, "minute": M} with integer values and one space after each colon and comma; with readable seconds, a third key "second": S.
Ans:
{"hour": 7, "minute": 29}
